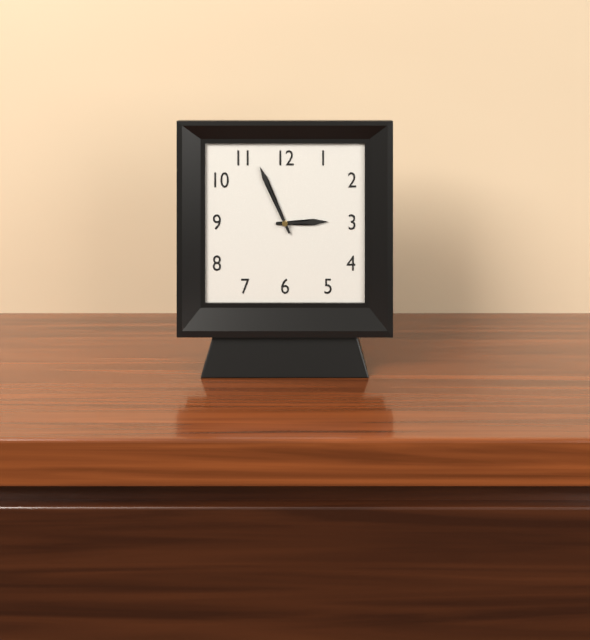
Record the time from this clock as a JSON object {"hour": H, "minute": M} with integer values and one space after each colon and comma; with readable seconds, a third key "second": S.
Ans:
{"hour": 2, "minute": 56}
